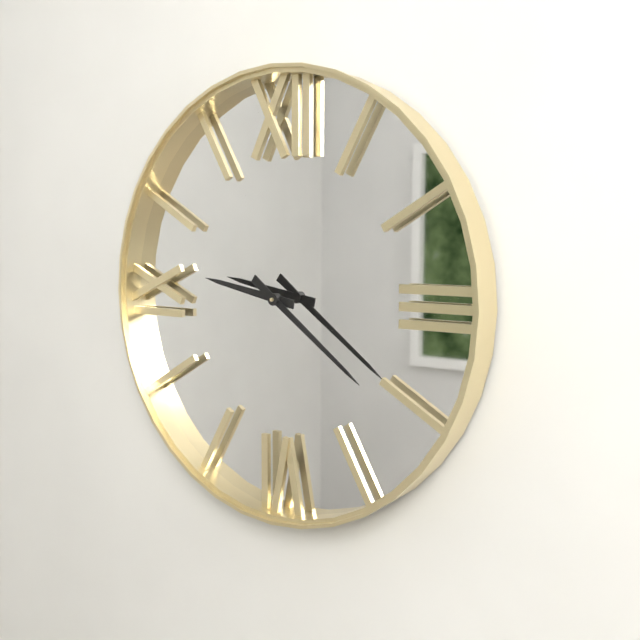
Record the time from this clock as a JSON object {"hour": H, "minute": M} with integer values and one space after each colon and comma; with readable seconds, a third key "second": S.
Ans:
{"hour": 9, "minute": 21}
